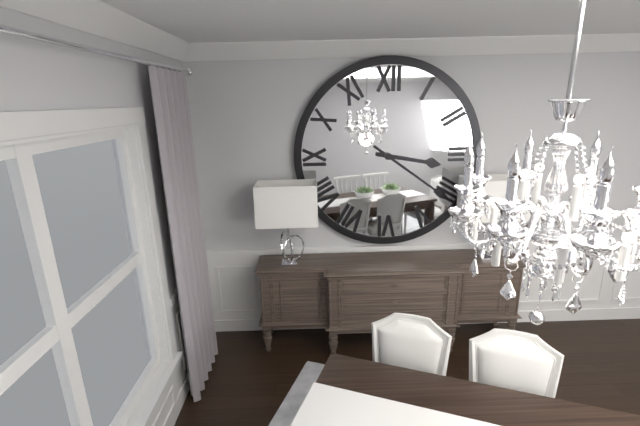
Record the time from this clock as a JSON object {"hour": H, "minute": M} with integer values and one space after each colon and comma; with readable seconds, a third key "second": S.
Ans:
{"hour": 3, "minute": 21}
